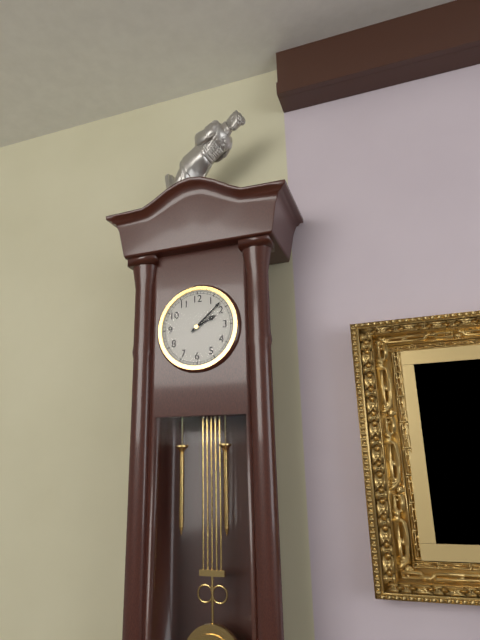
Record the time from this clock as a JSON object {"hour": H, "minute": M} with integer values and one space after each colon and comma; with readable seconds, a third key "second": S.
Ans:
{"hour": 2, "minute": 8}
